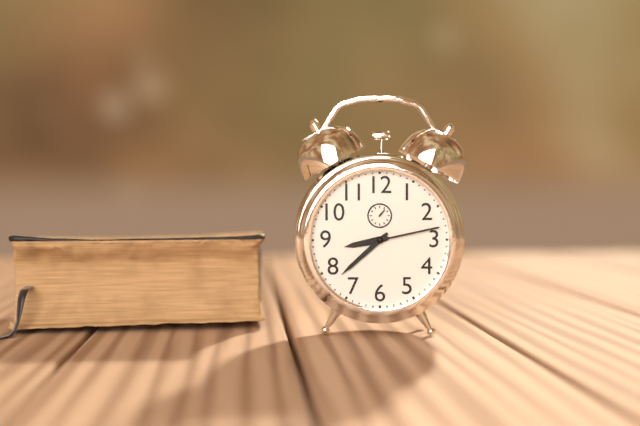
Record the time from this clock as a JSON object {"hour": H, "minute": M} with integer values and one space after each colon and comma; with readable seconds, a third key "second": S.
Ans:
{"hour": 8, "minute": 38, "second": 13}
